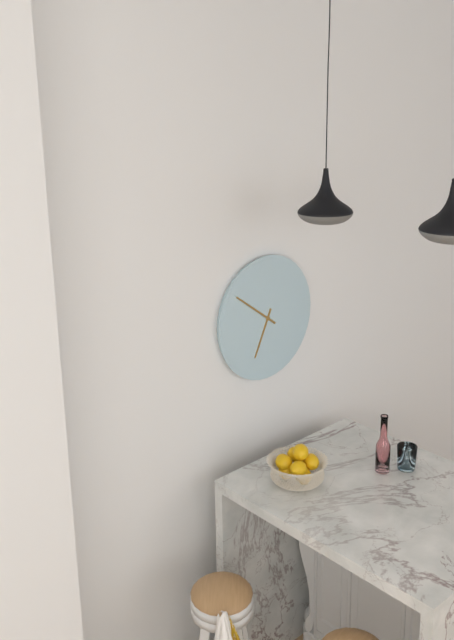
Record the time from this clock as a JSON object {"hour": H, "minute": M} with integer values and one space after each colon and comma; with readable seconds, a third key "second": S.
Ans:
{"hour": 6, "minute": 51}
